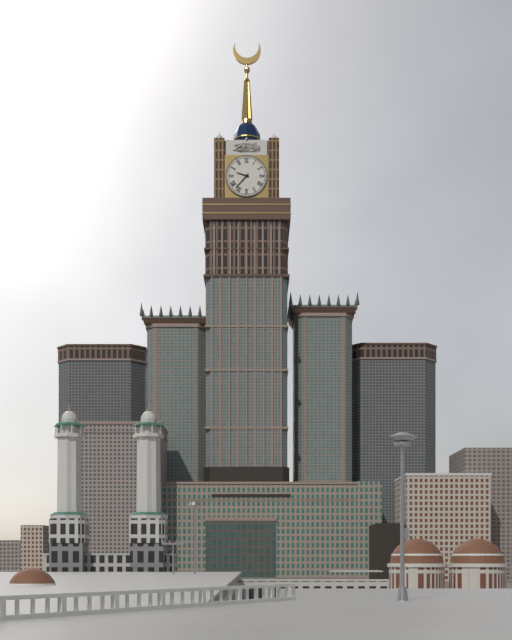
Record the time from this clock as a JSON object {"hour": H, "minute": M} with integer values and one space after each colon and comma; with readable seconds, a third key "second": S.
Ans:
{"hour": 9, "minute": 37}
